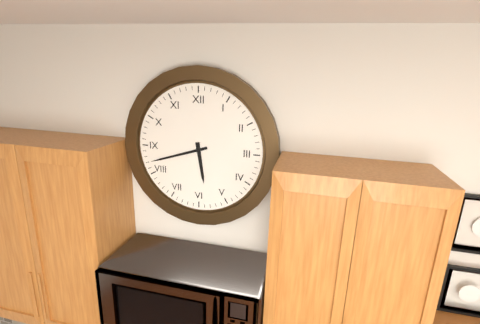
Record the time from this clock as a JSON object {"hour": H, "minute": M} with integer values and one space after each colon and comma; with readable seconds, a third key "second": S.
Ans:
{"hour": 5, "minute": 42}
